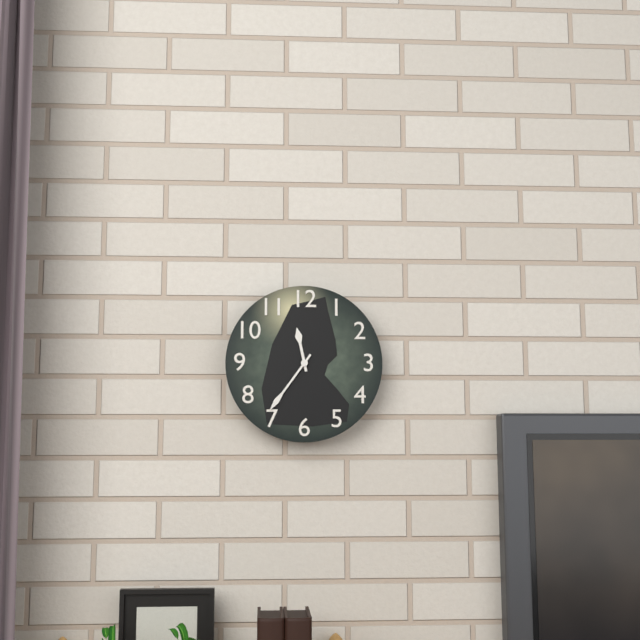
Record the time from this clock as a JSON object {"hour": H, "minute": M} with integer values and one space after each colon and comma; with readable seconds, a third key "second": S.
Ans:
{"hour": 11, "minute": 36}
